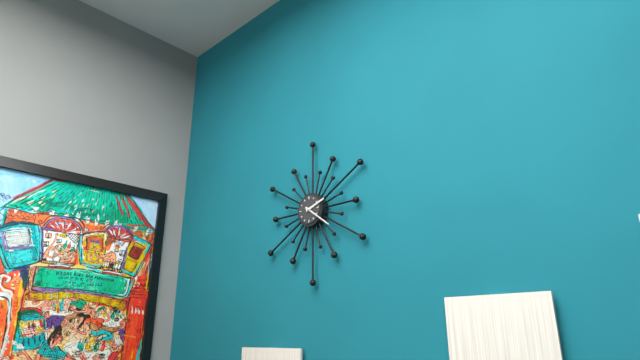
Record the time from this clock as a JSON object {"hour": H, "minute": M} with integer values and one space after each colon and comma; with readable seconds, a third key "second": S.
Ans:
{"hour": 2, "minute": 21}
